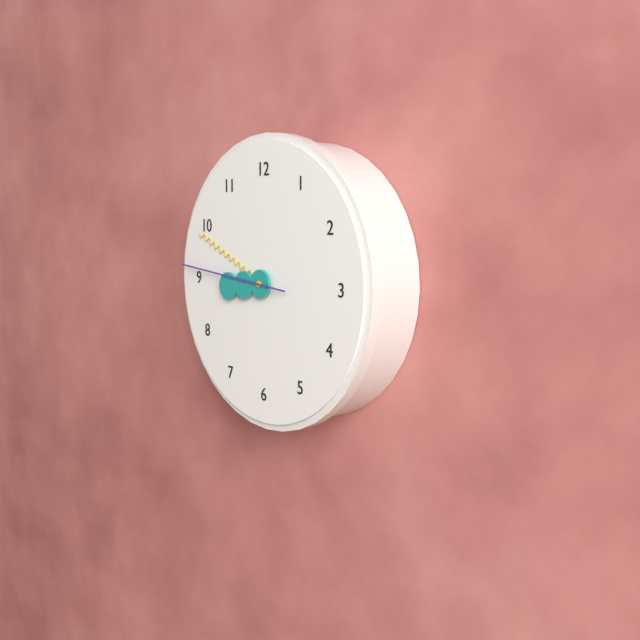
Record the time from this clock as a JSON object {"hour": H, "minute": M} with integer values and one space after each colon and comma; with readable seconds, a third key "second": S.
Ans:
{"hour": 8, "minute": 49, "second": 46}
